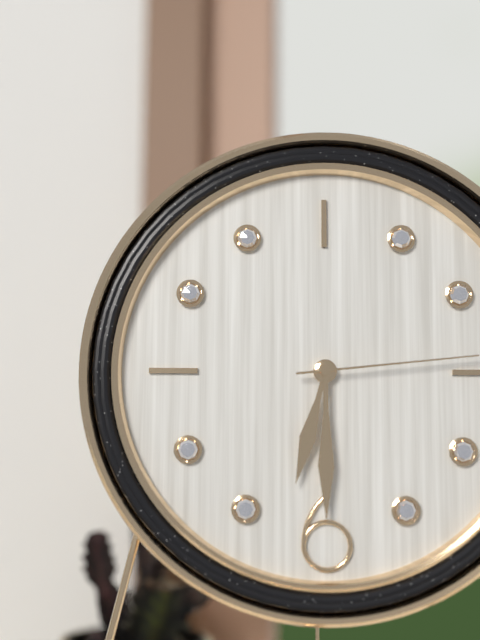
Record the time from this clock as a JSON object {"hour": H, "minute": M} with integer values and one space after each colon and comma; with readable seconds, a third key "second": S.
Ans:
{"hour": 6, "minute": 30, "second": 14}
